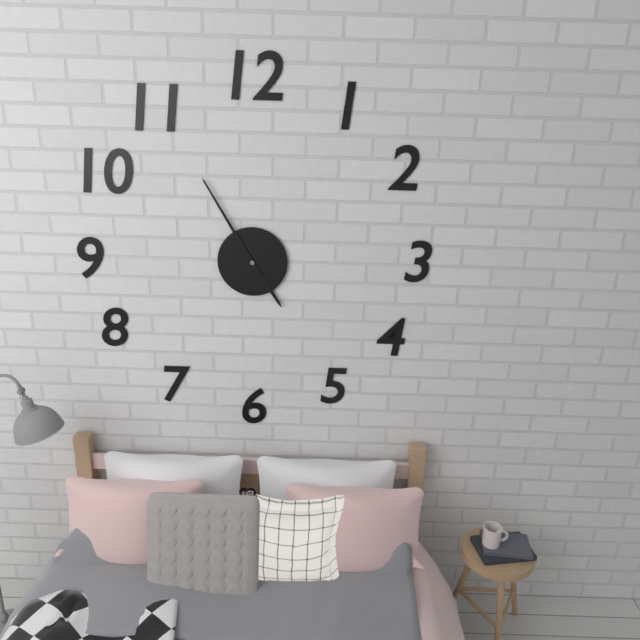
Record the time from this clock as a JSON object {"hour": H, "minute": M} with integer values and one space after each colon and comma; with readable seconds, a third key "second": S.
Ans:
{"hour": 4, "minute": 55}
